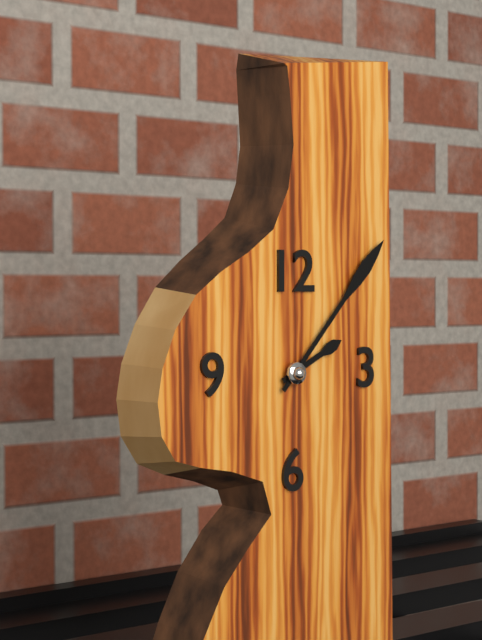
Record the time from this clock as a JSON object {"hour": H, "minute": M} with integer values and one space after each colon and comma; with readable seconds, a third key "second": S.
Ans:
{"hour": 2, "minute": 7}
